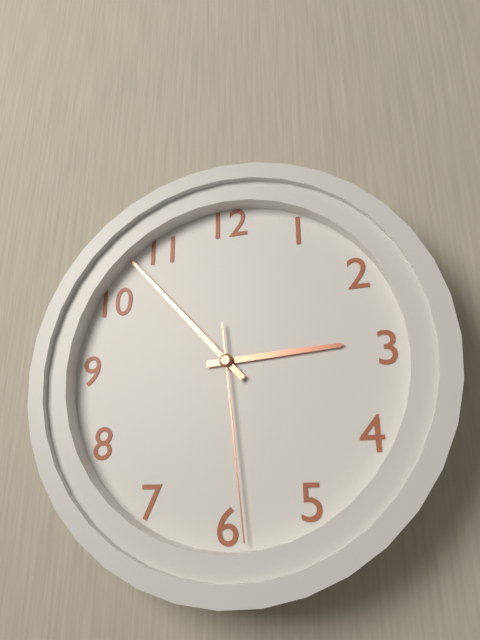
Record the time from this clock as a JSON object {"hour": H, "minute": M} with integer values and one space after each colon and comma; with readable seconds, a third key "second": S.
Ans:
{"hour": 2, "minute": 53, "second": 29}
